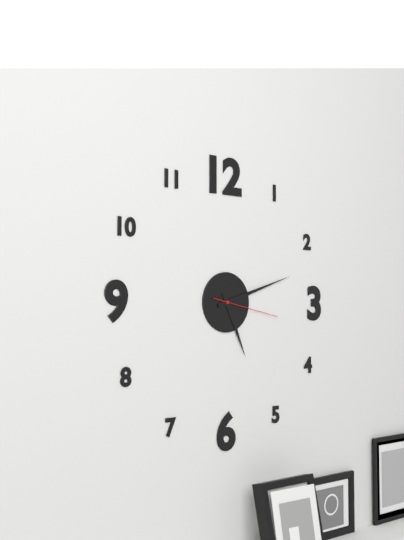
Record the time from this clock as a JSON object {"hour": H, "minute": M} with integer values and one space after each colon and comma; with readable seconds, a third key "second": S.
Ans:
{"hour": 5, "minute": 12, "second": 17}
